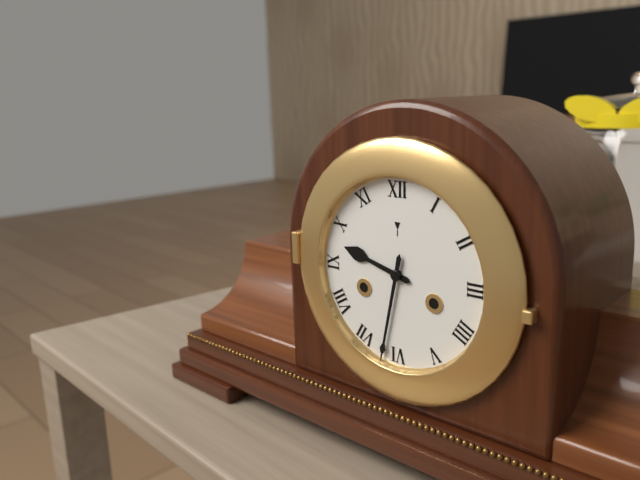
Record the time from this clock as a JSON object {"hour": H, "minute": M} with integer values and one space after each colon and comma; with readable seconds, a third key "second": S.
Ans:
{"hour": 9, "minute": 32}
